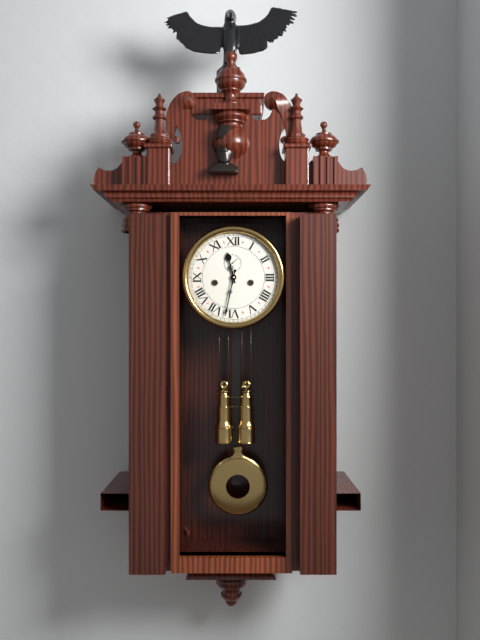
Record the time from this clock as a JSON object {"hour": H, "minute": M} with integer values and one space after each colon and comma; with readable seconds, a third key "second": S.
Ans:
{"hour": 11, "minute": 32}
